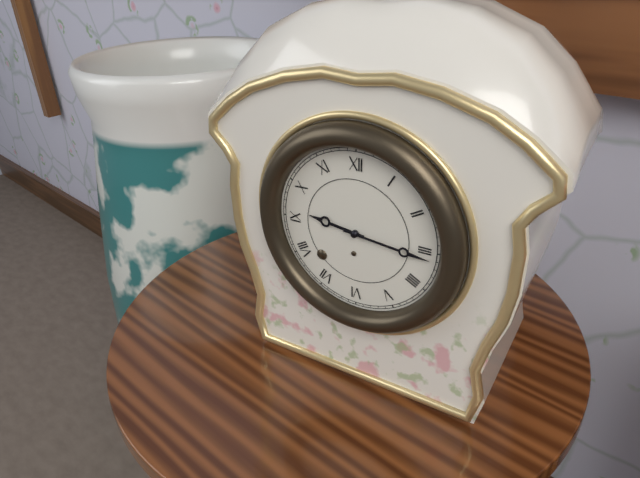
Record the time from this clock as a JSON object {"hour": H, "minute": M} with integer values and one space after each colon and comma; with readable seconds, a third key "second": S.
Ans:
{"hour": 9, "minute": 16}
